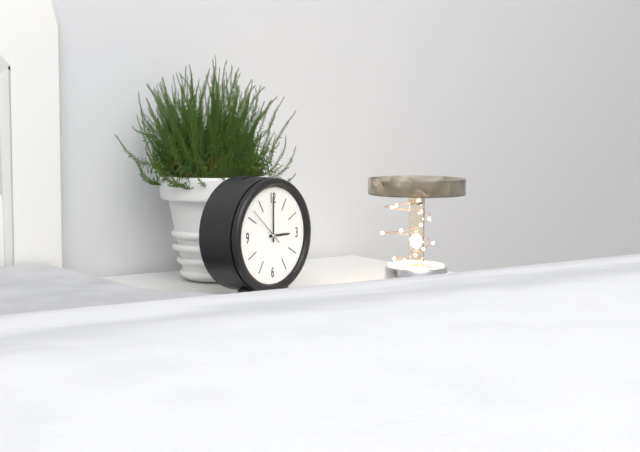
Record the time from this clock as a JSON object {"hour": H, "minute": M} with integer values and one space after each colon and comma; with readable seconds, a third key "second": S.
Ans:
{"hour": 3, "minute": 0}
